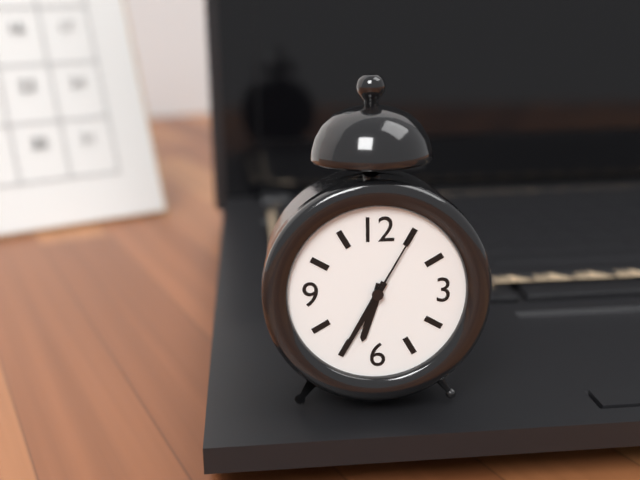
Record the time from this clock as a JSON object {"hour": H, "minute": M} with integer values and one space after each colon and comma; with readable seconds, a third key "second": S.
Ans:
{"hour": 6, "minute": 35, "second": 5}
